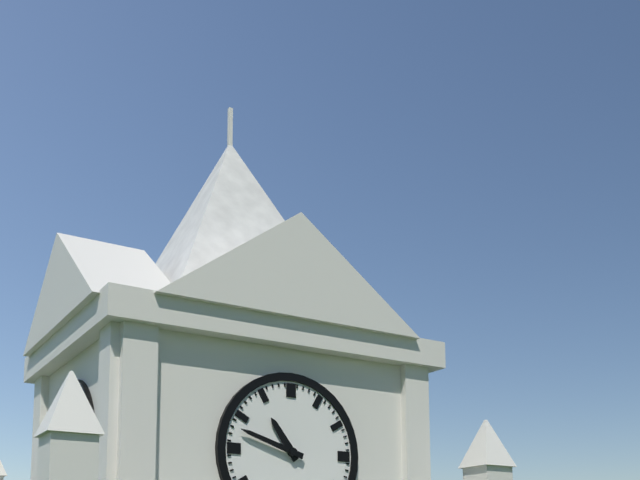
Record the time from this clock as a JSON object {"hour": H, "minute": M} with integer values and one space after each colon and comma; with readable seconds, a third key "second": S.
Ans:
{"hour": 10, "minute": 48}
